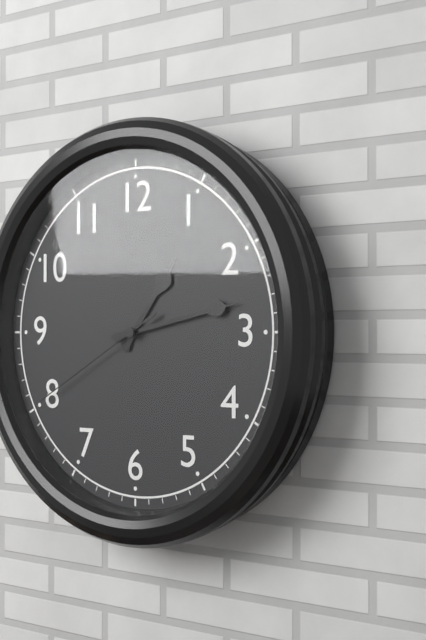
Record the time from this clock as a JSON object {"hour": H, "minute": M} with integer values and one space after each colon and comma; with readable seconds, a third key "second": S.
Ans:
{"hour": 1, "minute": 13, "second": 40}
